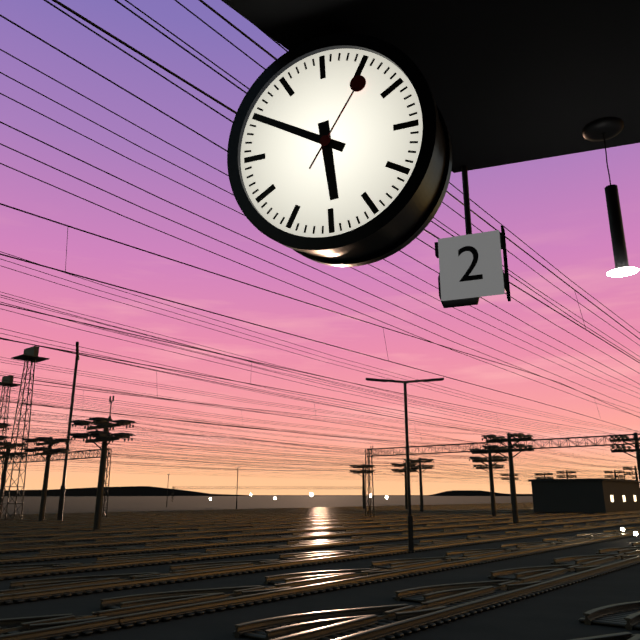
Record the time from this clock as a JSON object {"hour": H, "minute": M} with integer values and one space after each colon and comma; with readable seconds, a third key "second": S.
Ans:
{"hour": 5, "minute": 50, "second": 6}
